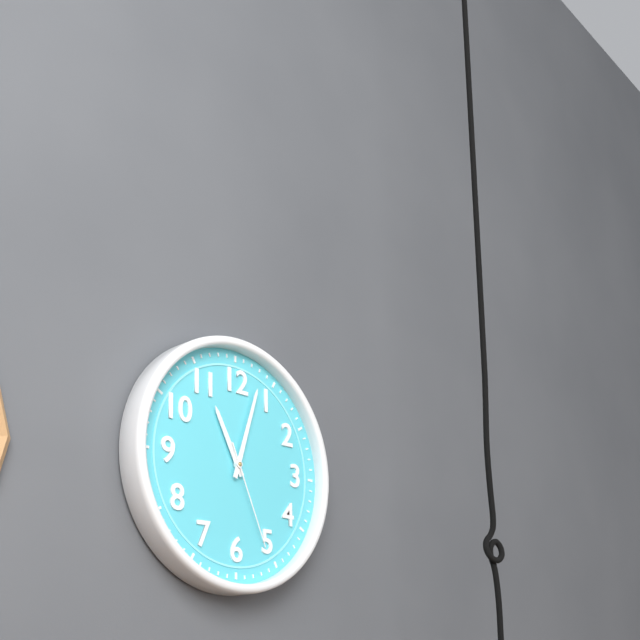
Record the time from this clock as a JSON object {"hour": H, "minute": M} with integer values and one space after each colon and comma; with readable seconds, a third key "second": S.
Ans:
{"hour": 11, "minute": 3, "second": 26}
